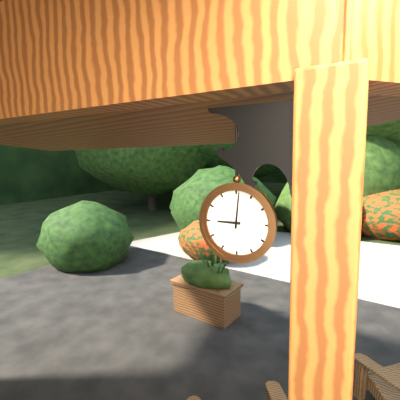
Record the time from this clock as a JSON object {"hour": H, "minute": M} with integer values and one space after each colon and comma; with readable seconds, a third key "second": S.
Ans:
{"hour": 9, "minute": 1}
